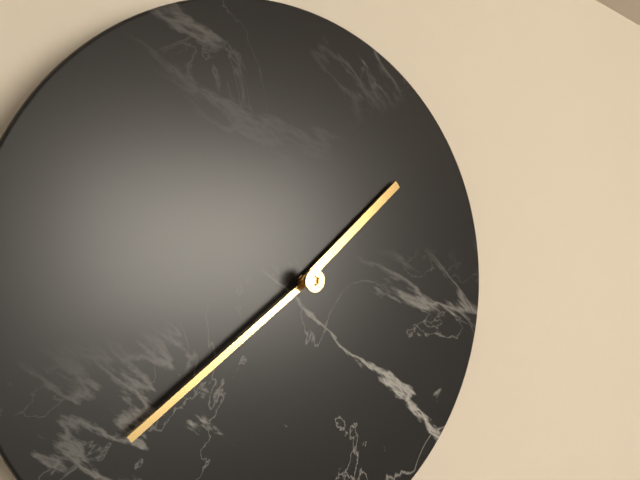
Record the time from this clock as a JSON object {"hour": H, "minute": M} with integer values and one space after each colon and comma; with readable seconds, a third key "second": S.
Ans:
{"hour": 1, "minute": 39}
